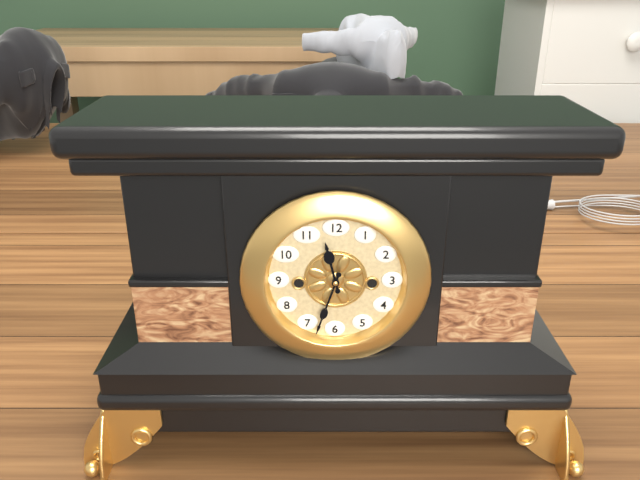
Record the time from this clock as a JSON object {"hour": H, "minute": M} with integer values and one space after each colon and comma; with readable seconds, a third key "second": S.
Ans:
{"hour": 11, "minute": 33}
